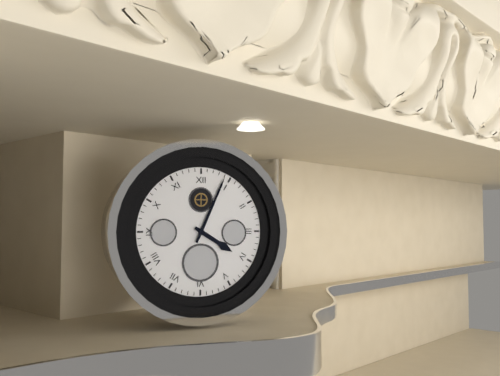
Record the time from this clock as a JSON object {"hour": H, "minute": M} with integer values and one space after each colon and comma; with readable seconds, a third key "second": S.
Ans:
{"hour": 4, "minute": 4}
